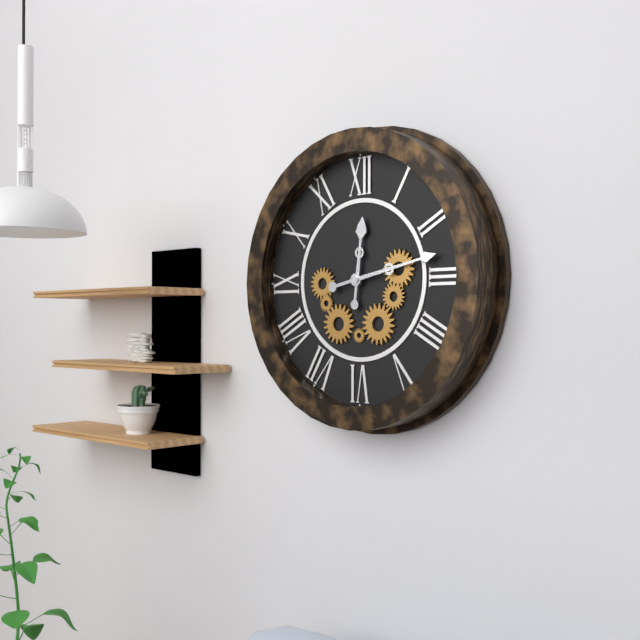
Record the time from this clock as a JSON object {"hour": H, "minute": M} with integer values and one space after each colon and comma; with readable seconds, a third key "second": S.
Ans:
{"hour": 12, "minute": 13}
